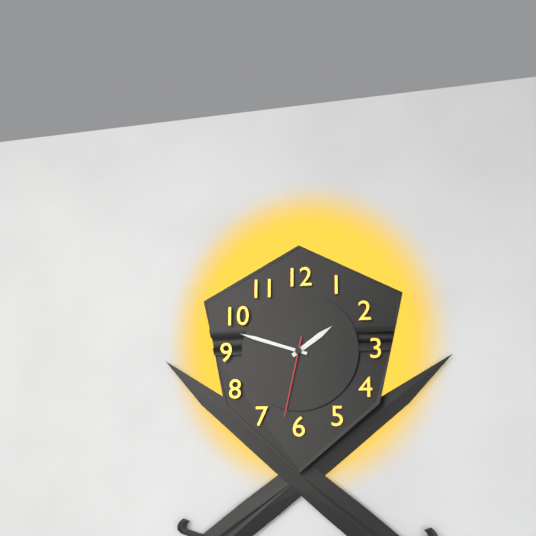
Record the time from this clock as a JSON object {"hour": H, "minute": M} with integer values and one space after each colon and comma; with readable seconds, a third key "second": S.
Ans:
{"hour": 1, "minute": 48, "second": 32}
